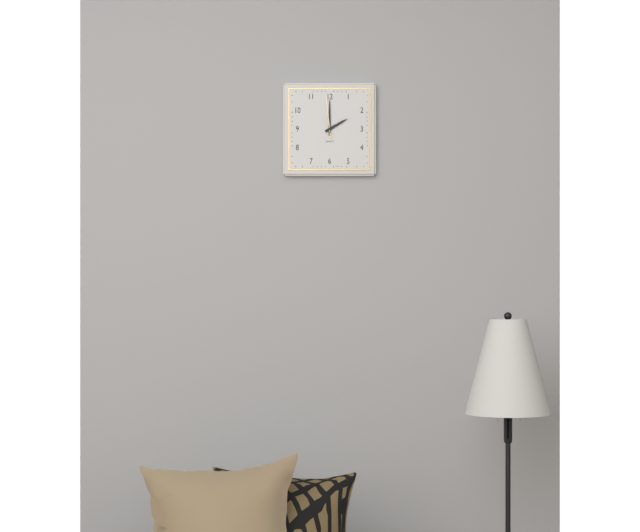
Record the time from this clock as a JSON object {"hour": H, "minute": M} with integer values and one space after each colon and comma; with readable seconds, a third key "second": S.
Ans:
{"hour": 2, "minute": 0}
